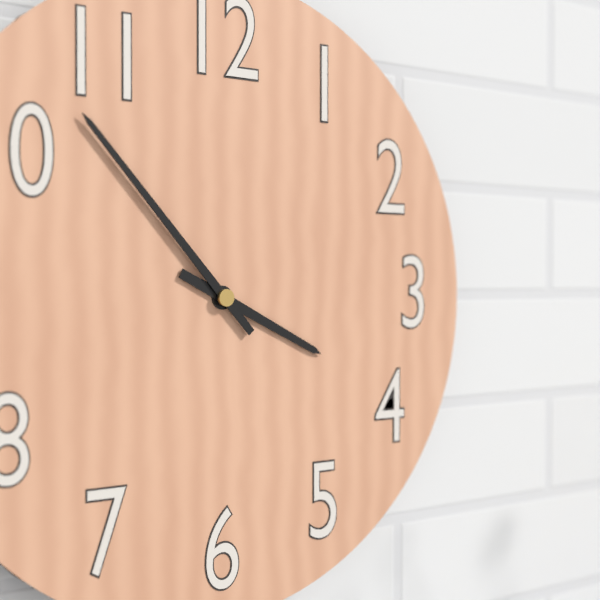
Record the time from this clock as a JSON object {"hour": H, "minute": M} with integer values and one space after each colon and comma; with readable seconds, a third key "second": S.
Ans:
{"hour": 3, "minute": 53}
